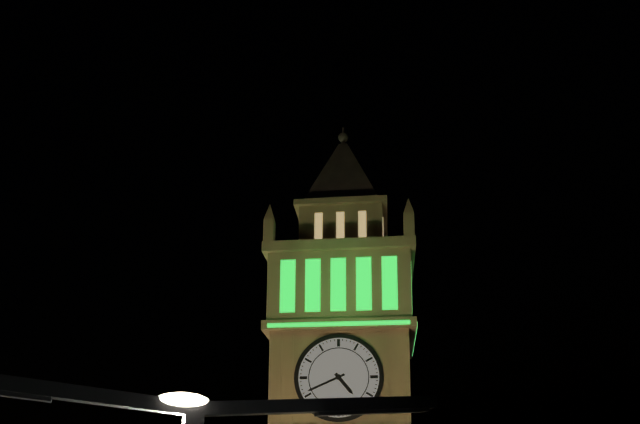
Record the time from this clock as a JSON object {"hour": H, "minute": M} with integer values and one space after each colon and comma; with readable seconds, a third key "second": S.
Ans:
{"hour": 4, "minute": 41}
